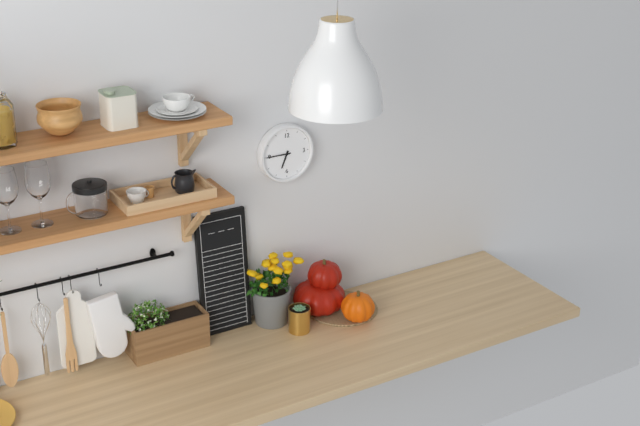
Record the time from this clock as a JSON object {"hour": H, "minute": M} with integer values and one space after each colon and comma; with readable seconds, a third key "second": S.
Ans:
{"hour": 6, "minute": 45}
